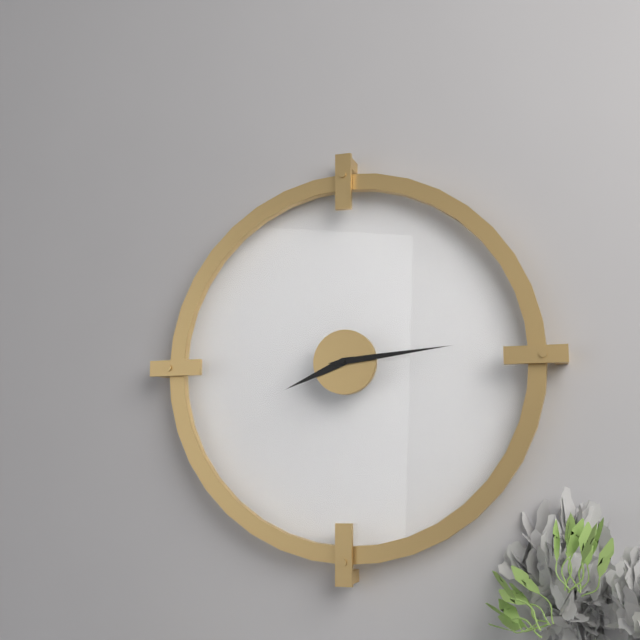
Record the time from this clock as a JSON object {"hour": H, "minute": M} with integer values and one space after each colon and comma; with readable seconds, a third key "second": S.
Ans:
{"hour": 8, "minute": 14}
